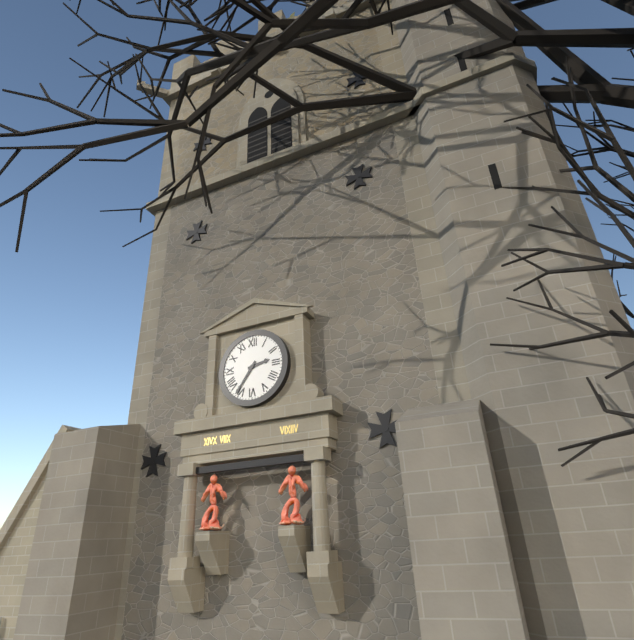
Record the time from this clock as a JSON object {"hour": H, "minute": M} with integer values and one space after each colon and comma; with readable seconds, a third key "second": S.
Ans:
{"hour": 2, "minute": 36}
